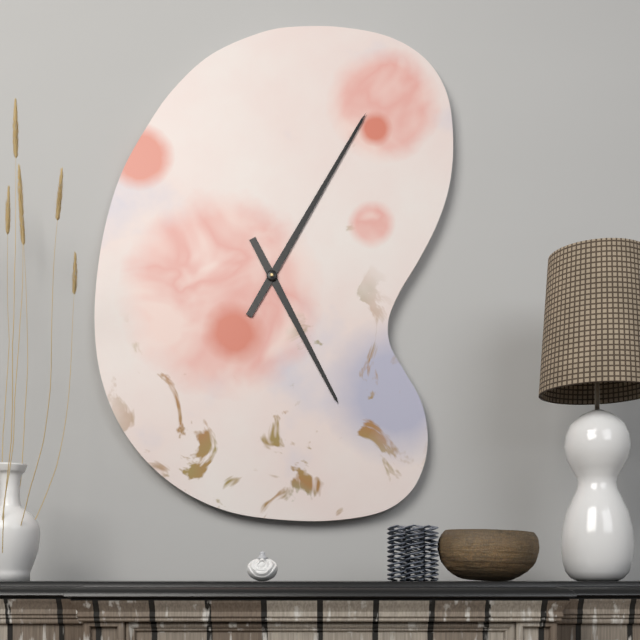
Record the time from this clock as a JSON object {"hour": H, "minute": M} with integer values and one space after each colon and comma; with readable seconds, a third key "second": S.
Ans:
{"hour": 5, "minute": 5}
